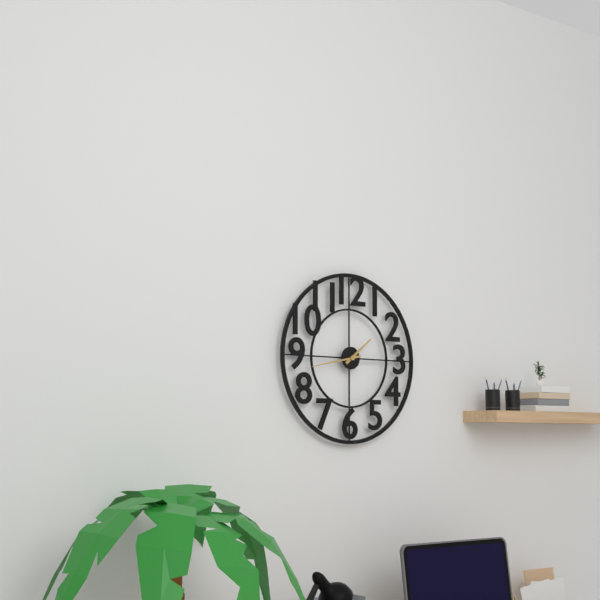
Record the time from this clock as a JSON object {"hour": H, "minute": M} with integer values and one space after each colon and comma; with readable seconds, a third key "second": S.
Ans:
{"hour": 1, "minute": 43}
